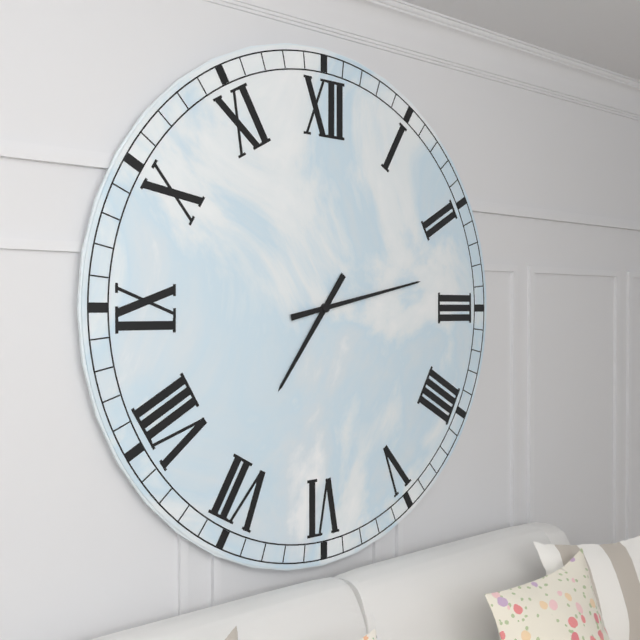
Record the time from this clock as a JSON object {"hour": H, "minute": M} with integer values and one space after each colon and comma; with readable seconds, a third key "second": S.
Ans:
{"hour": 7, "minute": 13}
